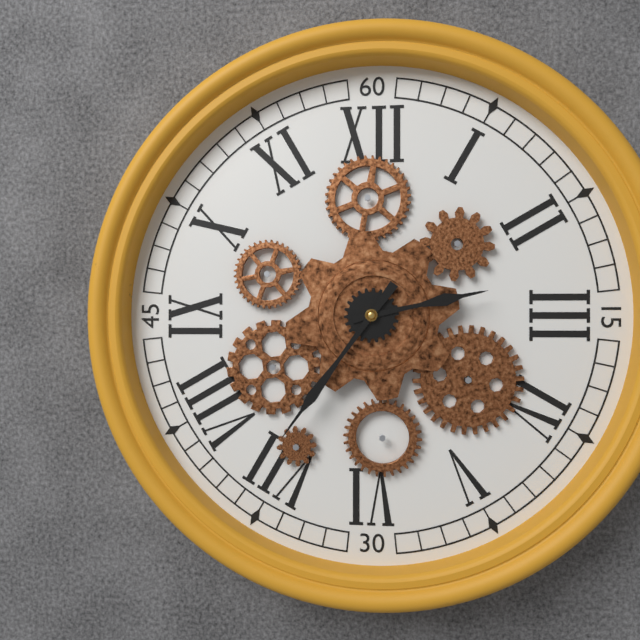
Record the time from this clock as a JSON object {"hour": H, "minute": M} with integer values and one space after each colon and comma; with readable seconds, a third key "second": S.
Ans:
{"hour": 2, "minute": 36}
